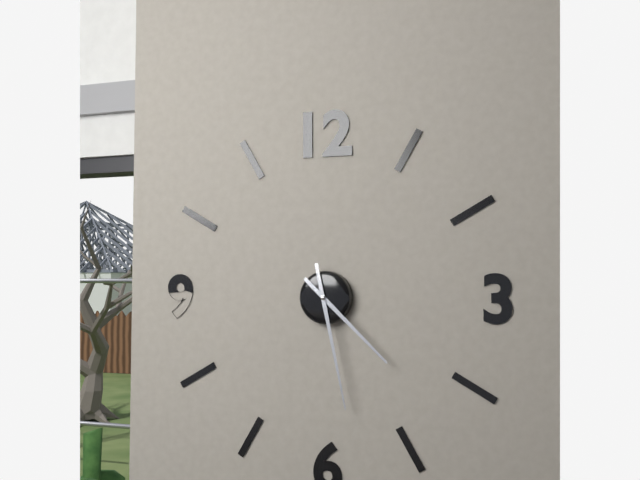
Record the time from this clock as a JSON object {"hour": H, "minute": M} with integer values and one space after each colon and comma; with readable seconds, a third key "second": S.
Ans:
{"hour": 4, "minute": 28}
